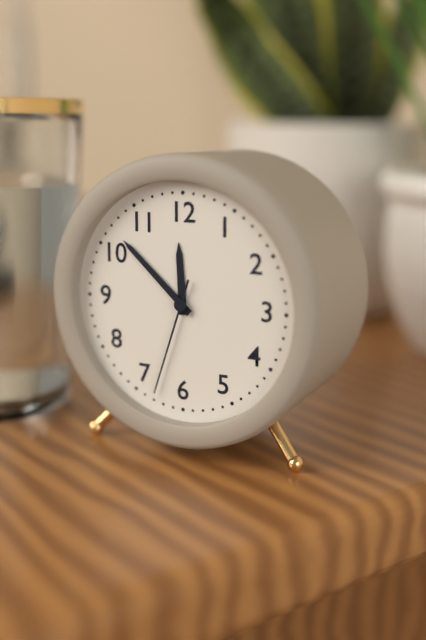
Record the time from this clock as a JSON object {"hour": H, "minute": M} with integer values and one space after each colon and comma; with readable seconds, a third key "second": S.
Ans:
{"hour": 11, "minute": 52, "second": 33}
